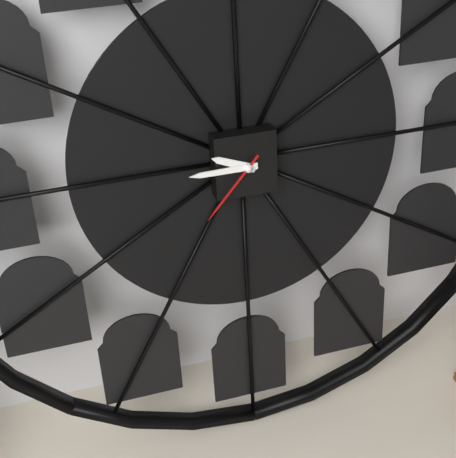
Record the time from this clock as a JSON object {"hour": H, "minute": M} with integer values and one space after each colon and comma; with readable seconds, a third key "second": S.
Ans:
{"hour": 9, "minute": 45, "second": 37}
